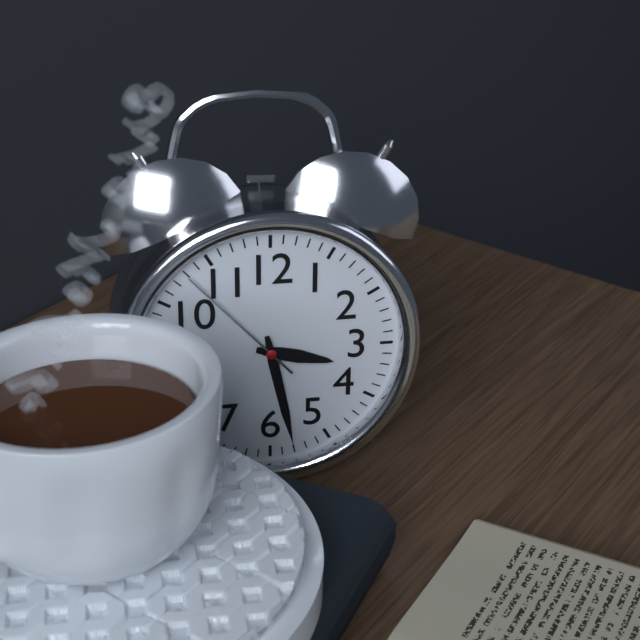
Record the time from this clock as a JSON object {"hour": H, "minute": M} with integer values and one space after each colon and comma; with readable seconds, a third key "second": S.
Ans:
{"hour": 3, "minute": 28, "second": 53}
